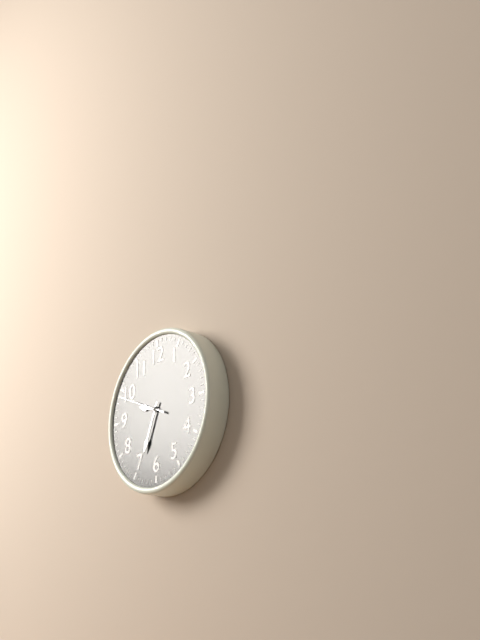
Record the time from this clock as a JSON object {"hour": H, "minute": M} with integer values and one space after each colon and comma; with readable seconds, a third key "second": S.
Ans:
{"hour": 9, "minute": 34}
